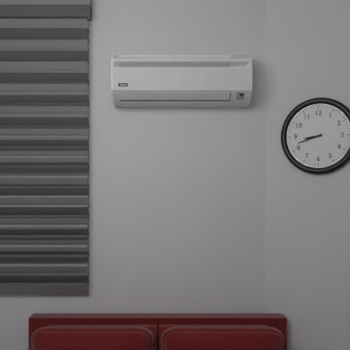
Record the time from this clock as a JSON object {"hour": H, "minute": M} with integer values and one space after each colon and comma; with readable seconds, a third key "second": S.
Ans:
{"hour": 8, "minute": 42}
